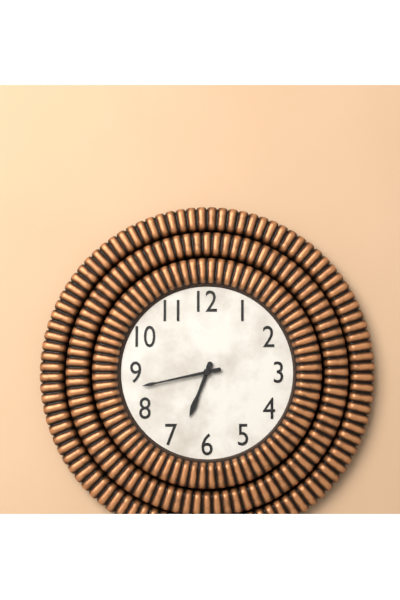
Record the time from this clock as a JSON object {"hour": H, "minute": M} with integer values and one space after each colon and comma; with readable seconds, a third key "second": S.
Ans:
{"hour": 6, "minute": 43}
